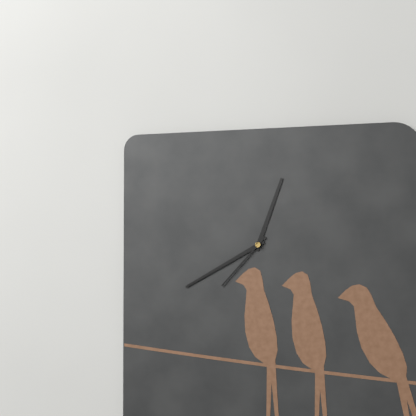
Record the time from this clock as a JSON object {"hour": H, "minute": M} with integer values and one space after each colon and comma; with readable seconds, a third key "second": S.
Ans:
{"hour": 12, "minute": 40, "second": 37}
